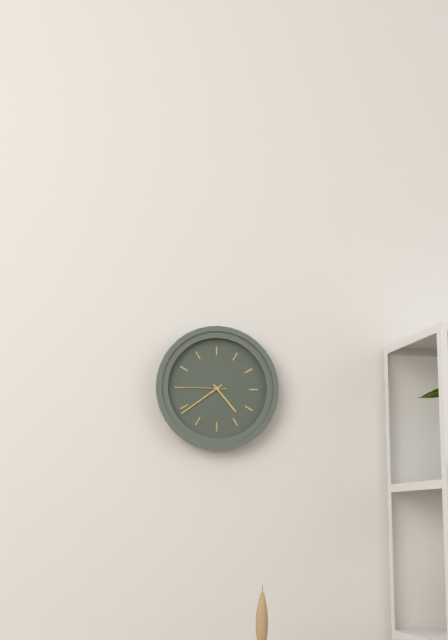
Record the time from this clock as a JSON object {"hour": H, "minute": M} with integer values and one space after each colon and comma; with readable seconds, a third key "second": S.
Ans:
{"hour": 4, "minute": 39, "second": 45}
